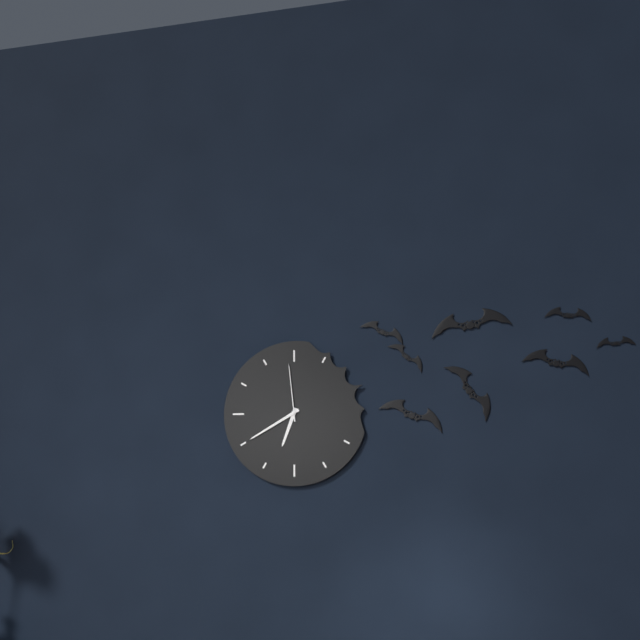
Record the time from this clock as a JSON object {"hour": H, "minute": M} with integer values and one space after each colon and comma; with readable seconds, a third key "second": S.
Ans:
{"hour": 6, "minute": 40, "second": 59}
